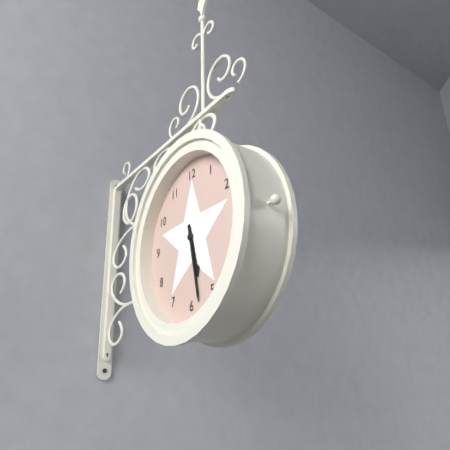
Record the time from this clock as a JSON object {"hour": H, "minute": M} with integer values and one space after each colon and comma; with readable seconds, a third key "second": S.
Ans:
{"hour": 5, "minute": 28}
